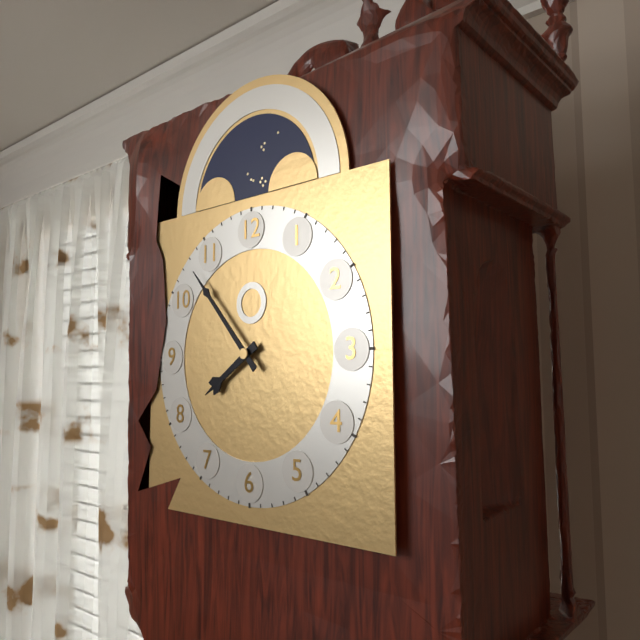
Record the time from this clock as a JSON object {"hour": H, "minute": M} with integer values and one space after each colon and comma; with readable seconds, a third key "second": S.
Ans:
{"hour": 7, "minute": 53}
